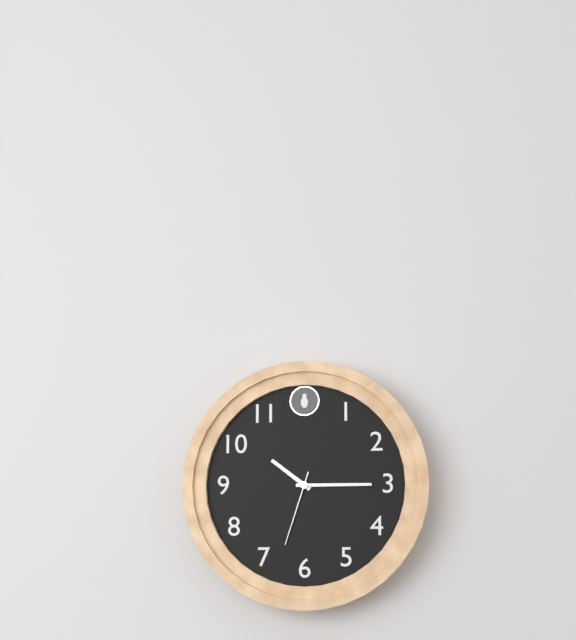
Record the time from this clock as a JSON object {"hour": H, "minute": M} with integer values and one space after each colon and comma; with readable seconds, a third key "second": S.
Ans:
{"hour": 10, "minute": 15, "second": 33}
